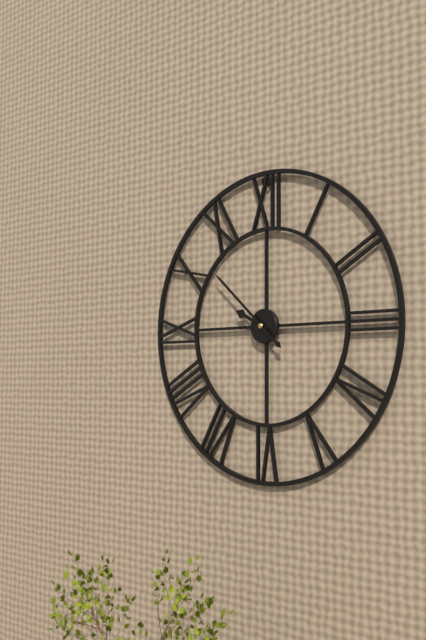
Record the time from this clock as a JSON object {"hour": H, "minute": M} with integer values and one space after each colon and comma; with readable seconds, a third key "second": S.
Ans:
{"hour": 9, "minute": 52}
